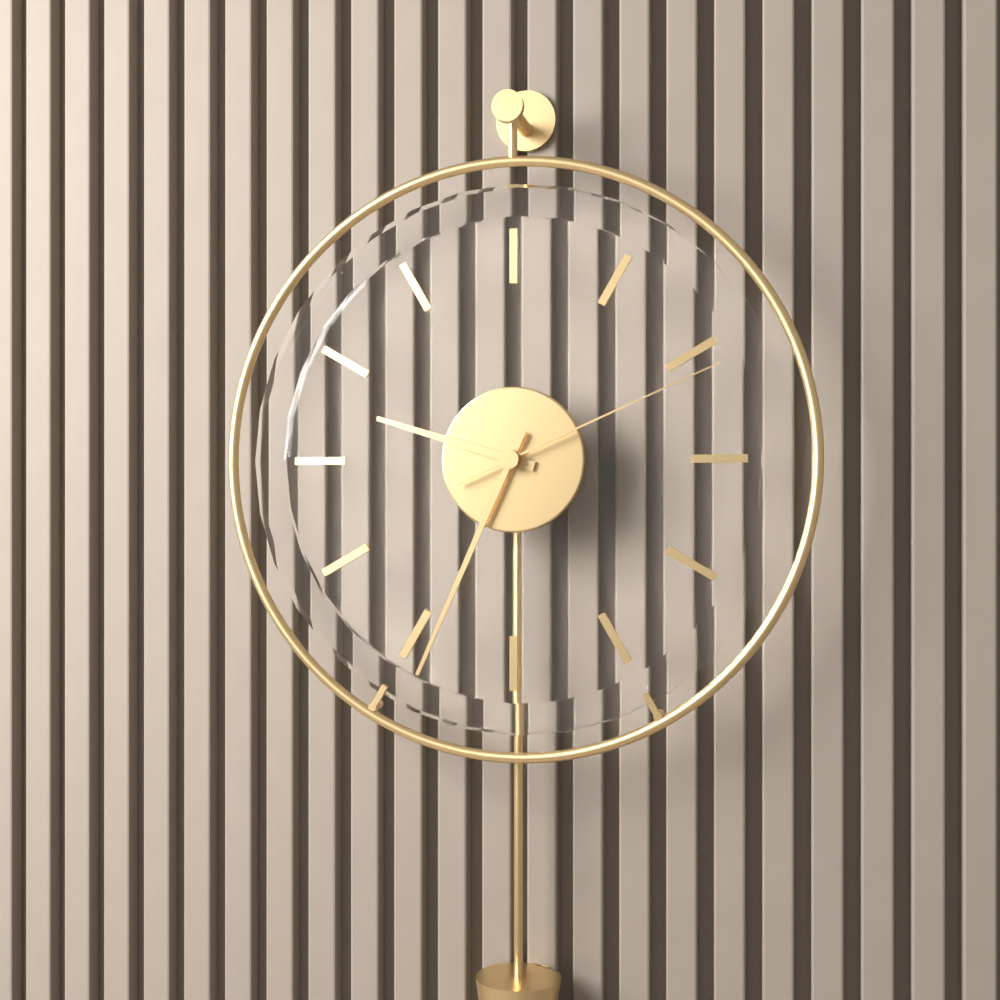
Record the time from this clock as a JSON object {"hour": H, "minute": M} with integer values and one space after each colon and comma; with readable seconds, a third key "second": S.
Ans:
{"hour": 9, "minute": 34, "second": 11}
